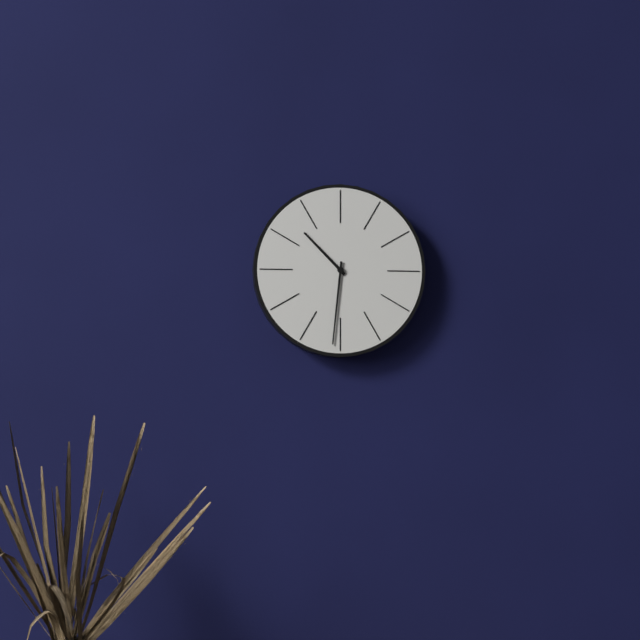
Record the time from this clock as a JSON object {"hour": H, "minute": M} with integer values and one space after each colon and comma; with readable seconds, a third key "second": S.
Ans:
{"hour": 10, "minute": 31}
